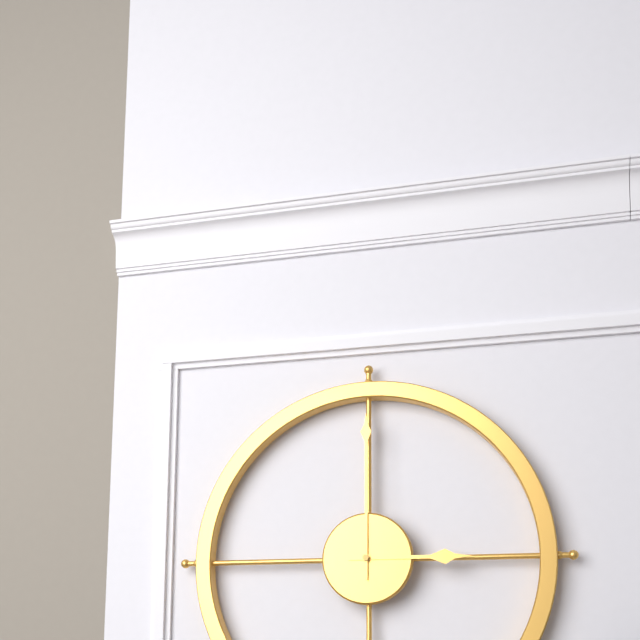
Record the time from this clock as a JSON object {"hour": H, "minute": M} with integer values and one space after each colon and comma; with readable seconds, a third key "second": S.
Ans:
{"hour": 3, "minute": 0}
